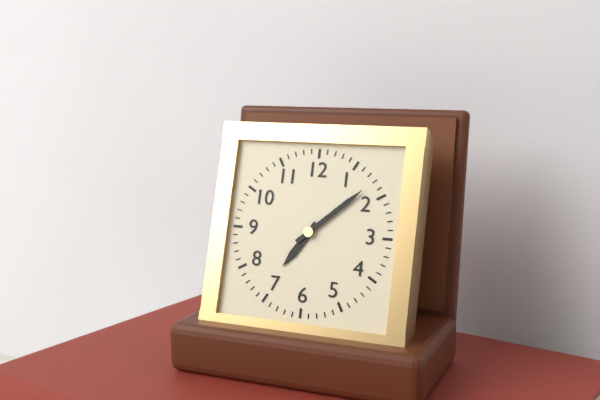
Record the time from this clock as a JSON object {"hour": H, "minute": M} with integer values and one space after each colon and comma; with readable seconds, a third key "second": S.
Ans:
{"hour": 7, "minute": 8}
